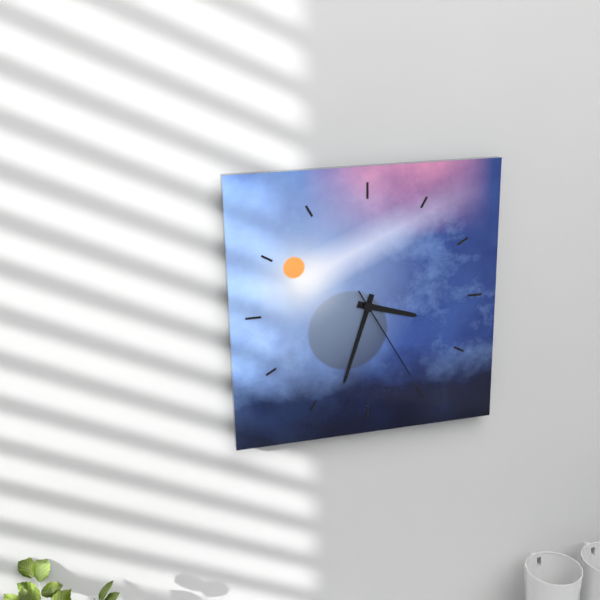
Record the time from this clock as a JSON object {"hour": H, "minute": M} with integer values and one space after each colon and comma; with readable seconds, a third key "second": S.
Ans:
{"hour": 3, "minute": 33, "second": 25}
